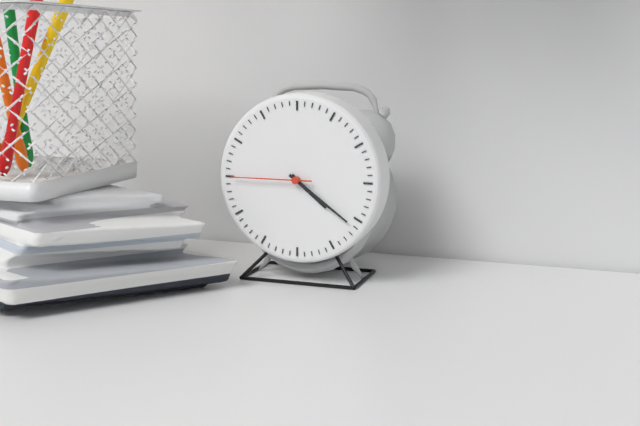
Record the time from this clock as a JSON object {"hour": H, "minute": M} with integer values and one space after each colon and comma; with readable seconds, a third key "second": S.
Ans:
{"hour": 4, "minute": 21, "second": 45}
